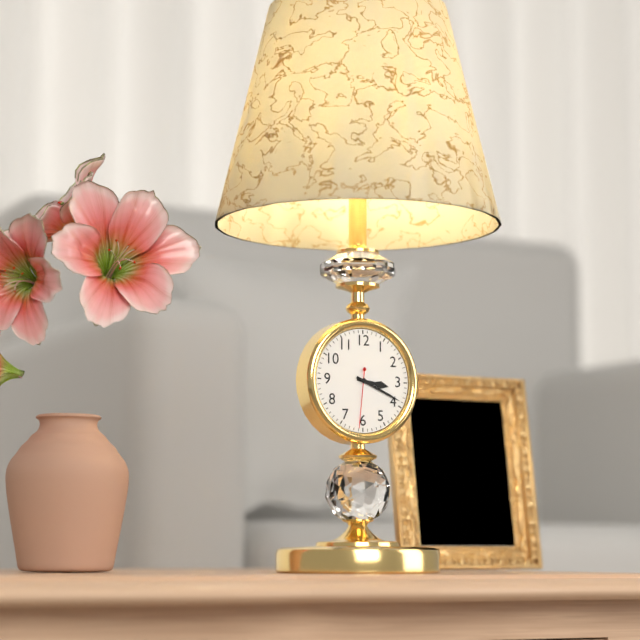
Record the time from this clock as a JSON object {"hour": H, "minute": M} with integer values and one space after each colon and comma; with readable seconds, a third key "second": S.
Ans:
{"hour": 3, "minute": 19, "second": 31}
